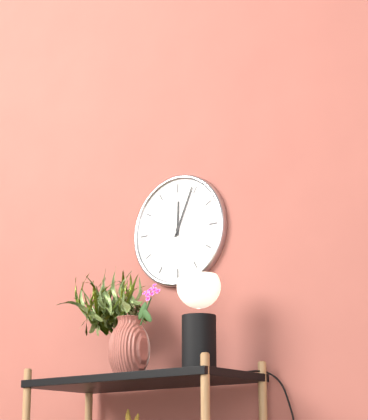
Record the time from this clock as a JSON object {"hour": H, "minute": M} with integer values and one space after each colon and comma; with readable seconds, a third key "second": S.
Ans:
{"hour": 12, "minute": 4}
